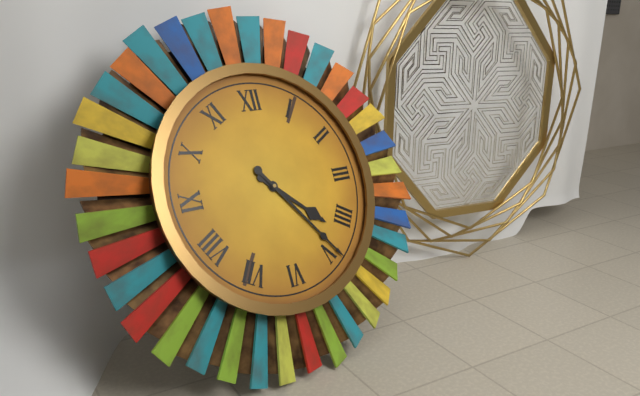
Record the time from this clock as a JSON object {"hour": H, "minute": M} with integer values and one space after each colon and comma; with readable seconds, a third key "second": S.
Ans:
{"hour": 4, "minute": 24}
